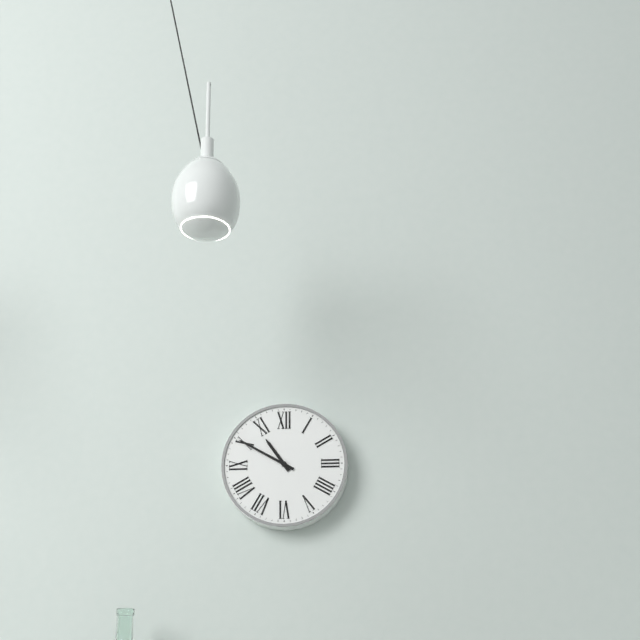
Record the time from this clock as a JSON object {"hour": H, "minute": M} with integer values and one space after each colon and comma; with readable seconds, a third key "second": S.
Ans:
{"hour": 10, "minute": 50}
